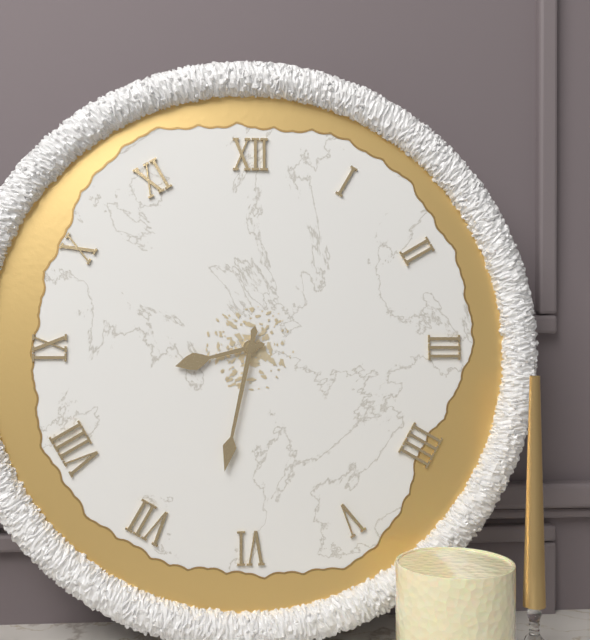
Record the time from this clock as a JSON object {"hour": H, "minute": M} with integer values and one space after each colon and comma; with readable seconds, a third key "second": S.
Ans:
{"hour": 8, "minute": 32}
